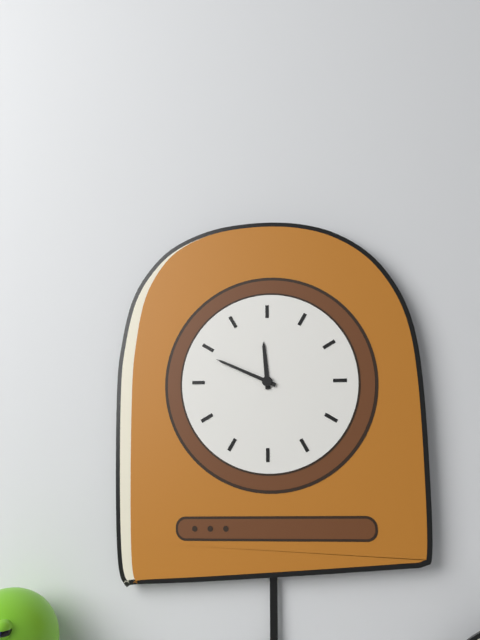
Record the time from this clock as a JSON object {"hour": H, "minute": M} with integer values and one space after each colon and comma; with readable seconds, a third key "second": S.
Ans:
{"hour": 11, "minute": 49}
